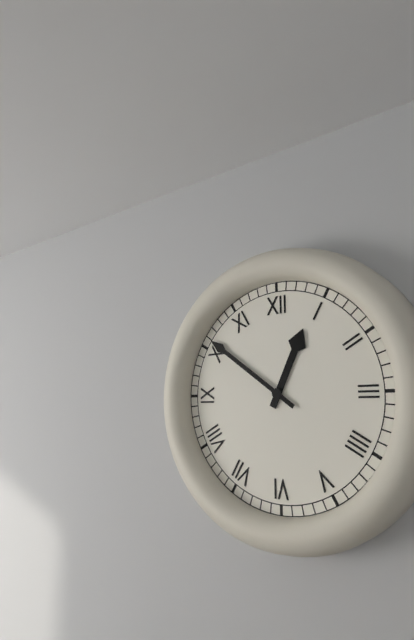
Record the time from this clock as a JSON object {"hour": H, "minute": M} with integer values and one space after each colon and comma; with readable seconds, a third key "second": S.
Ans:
{"hour": 12, "minute": 51}
